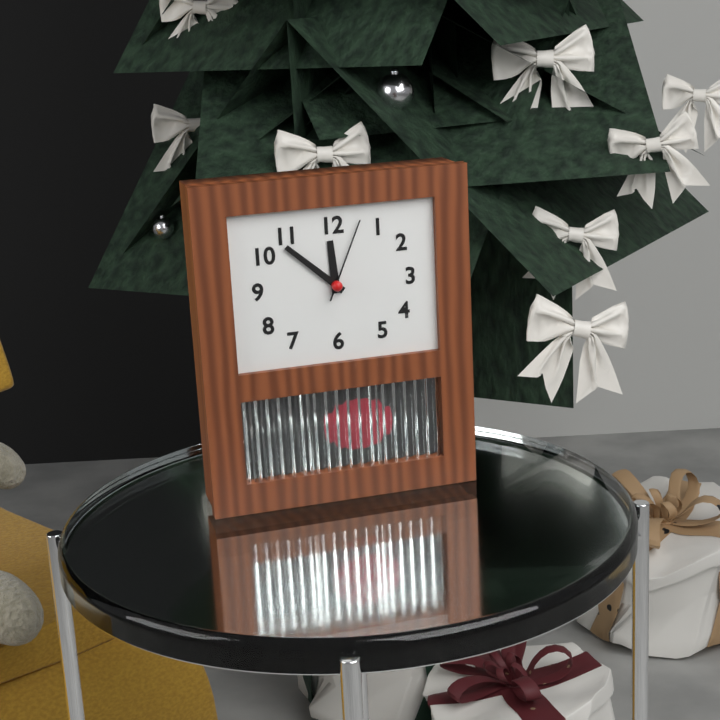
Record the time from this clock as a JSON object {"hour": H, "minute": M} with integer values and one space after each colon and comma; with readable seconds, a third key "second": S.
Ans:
{"hour": 11, "minute": 52, "second": 4}
